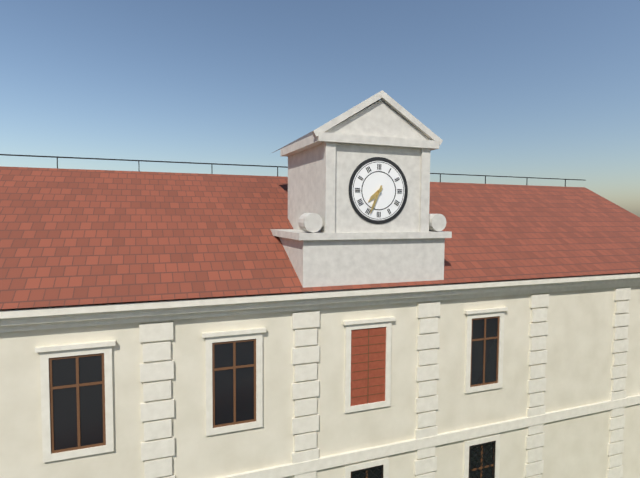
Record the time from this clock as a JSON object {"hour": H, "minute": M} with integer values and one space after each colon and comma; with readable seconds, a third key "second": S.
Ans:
{"hour": 7, "minute": 34}
